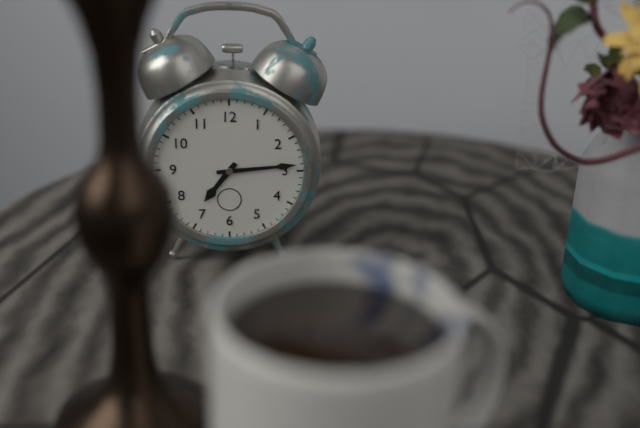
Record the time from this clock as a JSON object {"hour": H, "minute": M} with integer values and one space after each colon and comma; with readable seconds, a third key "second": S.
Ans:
{"hour": 7, "minute": 14}
